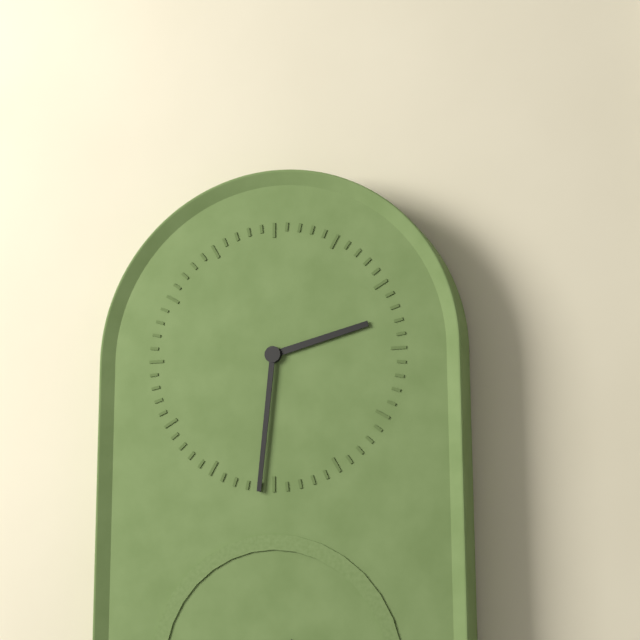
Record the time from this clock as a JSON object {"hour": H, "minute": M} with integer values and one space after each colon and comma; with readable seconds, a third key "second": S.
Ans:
{"hour": 2, "minute": 31}
